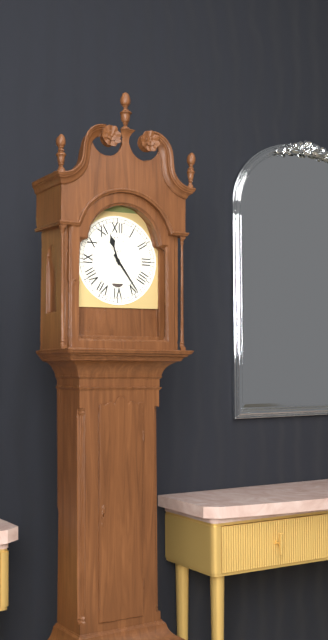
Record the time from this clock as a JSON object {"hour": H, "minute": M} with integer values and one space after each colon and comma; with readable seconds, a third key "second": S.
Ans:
{"hour": 11, "minute": 24}
